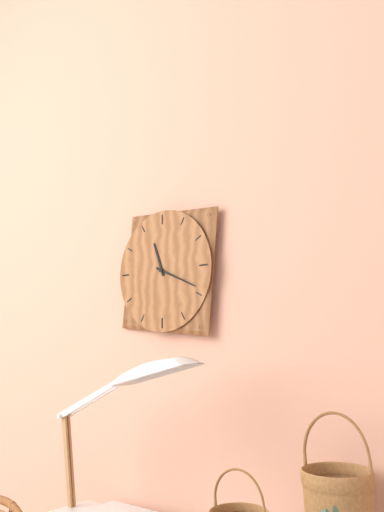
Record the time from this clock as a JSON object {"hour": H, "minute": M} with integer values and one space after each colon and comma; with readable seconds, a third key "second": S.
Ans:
{"hour": 11, "minute": 19}
